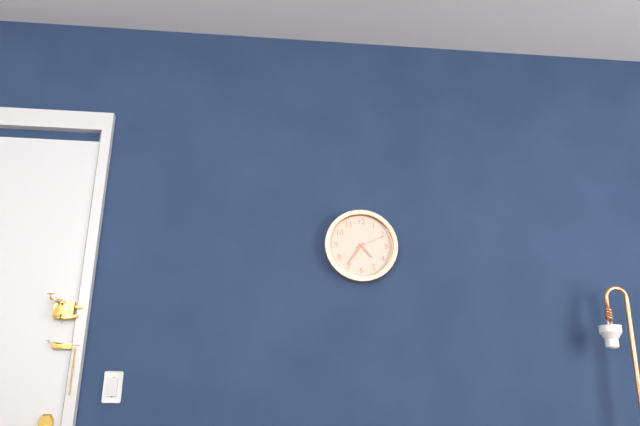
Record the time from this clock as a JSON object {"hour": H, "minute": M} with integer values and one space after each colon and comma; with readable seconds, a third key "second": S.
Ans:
{"hour": 4, "minute": 36}
